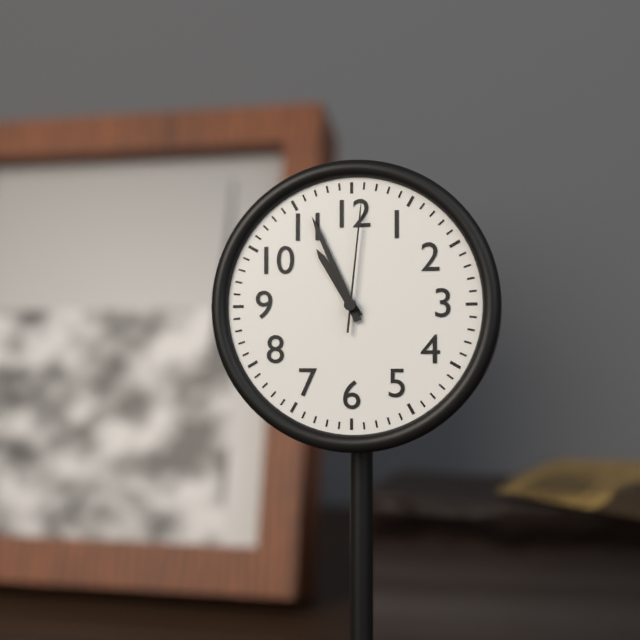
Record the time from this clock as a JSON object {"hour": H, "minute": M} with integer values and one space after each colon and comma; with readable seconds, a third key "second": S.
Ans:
{"hour": 10, "minute": 56, "second": 1}
